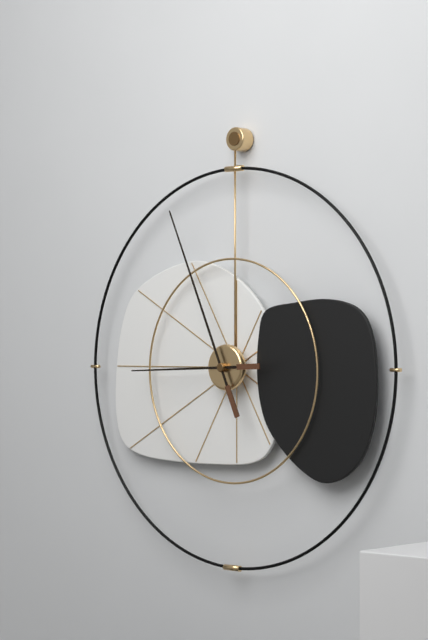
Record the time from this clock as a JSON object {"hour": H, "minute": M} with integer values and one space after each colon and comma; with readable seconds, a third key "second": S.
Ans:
{"hour": 8, "minute": 56}
